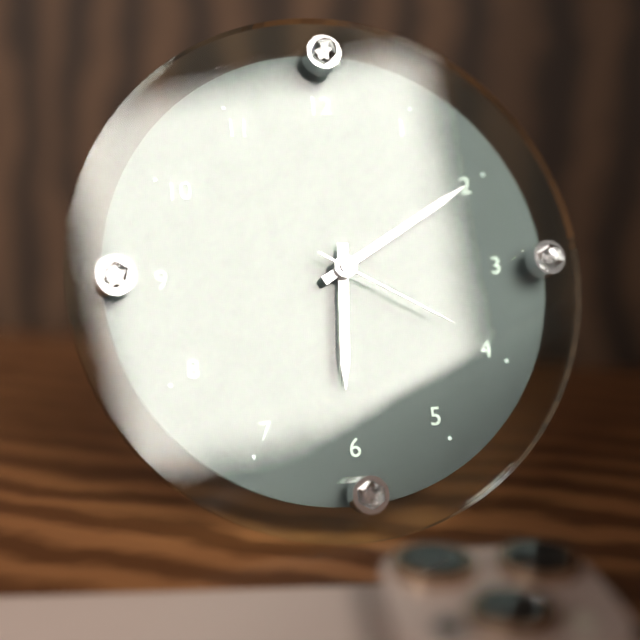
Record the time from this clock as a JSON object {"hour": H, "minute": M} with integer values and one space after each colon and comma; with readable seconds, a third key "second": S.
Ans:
{"hour": 6, "minute": 10, "second": 20}
